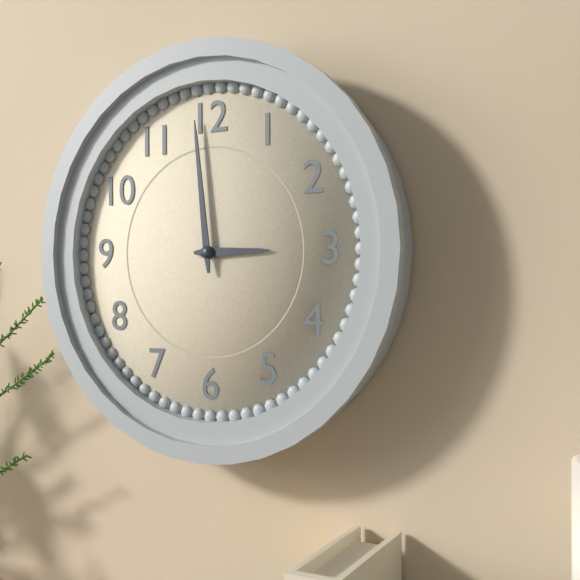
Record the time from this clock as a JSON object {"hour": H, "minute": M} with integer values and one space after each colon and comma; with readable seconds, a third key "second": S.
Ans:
{"hour": 2, "minute": 59}
